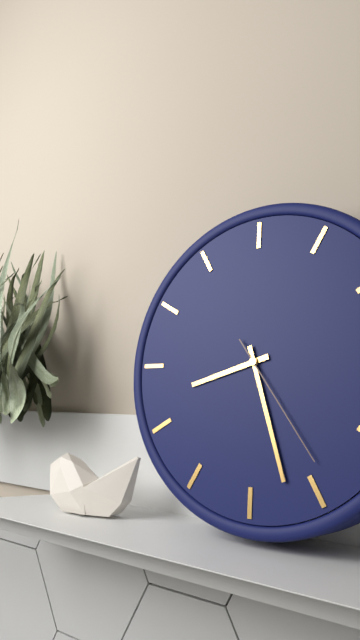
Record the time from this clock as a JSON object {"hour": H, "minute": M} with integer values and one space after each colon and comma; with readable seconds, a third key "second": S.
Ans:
{"hour": 8, "minute": 27, "second": 24}
